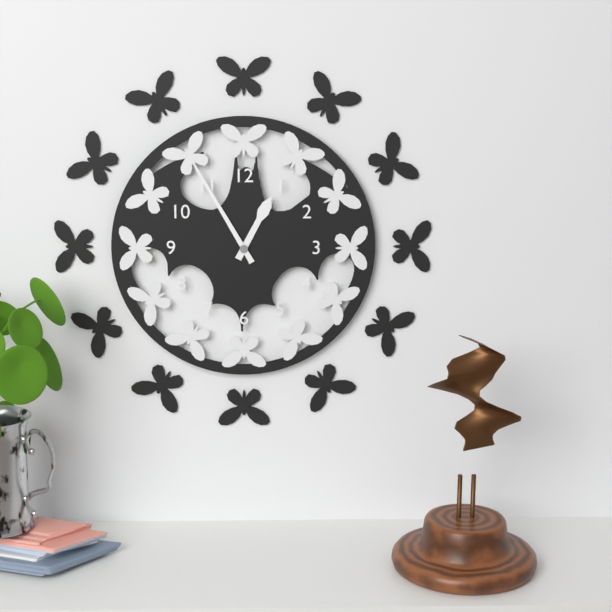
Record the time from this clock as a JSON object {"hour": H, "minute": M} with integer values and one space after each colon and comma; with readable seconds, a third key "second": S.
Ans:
{"hour": 12, "minute": 55}
